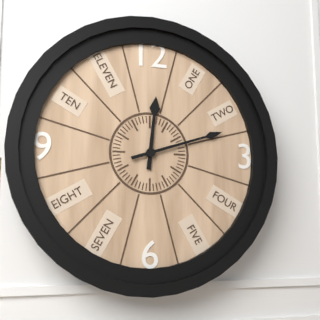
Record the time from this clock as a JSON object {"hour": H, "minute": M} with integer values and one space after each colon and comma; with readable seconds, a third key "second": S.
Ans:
{"hour": 12, "minute": 12}
